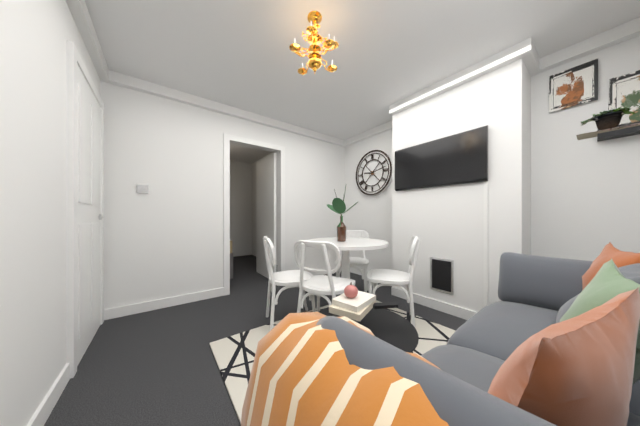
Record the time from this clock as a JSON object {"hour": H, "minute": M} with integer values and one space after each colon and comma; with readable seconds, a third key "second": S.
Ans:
{"hour": 9, "minute": 13}
